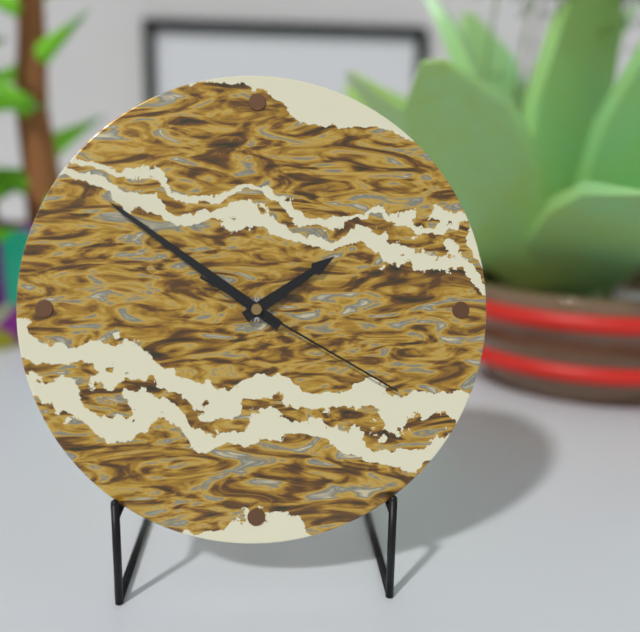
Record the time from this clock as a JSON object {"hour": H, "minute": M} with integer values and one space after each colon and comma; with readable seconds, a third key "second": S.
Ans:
{"hour": 1, "minute": 51, "second": 20}
